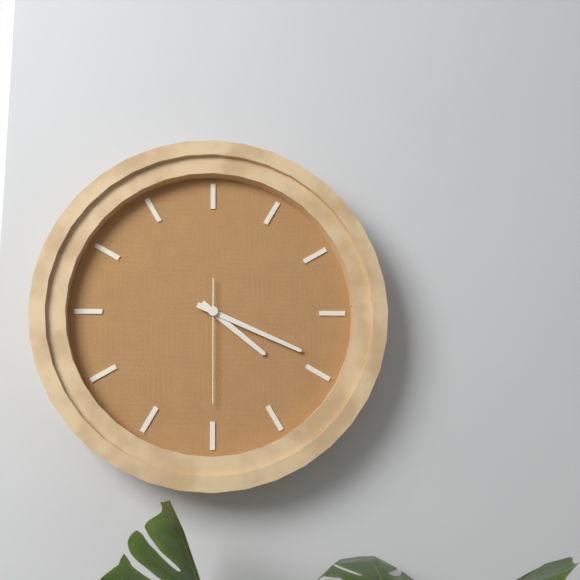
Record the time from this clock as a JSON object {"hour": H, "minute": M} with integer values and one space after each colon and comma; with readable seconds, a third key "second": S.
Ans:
{"hour": 4, "minute": 19, "second": 30}
